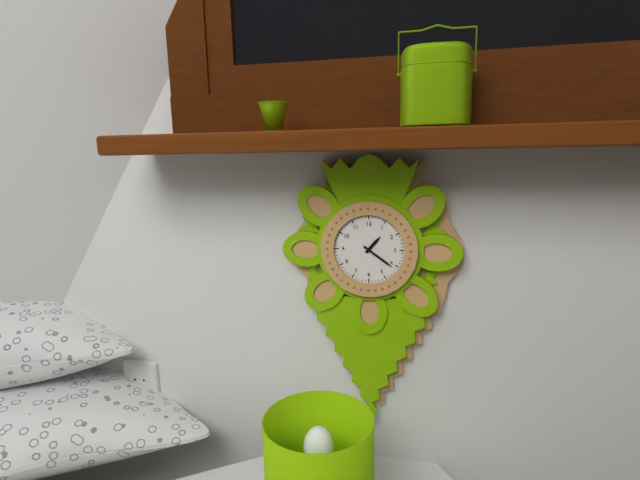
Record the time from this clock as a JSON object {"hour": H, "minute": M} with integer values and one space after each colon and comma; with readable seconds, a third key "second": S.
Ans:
{"hour": 1, "minute": 21}
